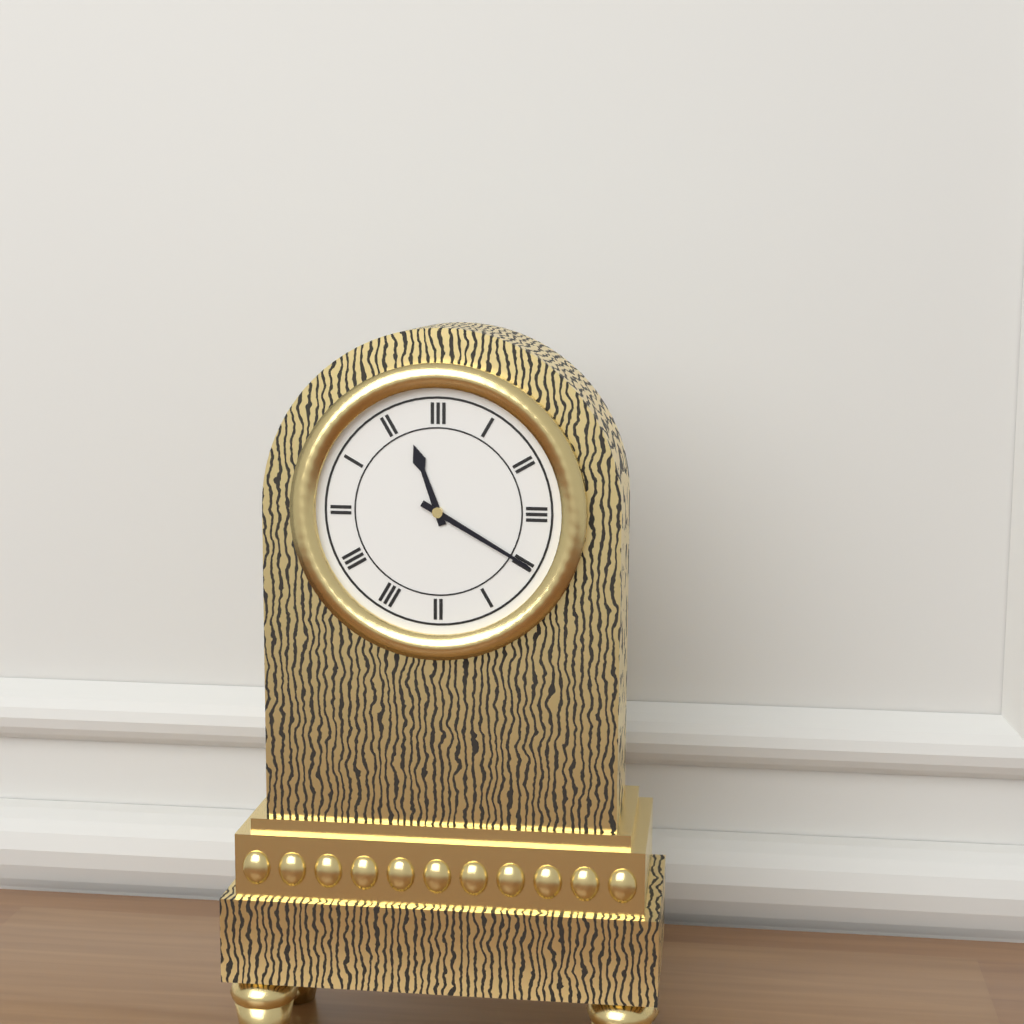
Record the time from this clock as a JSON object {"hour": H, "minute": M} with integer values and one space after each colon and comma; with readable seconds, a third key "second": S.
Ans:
{"hour": 11, "minute": 20}
